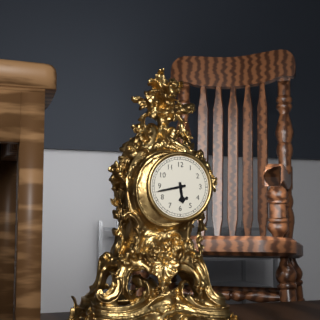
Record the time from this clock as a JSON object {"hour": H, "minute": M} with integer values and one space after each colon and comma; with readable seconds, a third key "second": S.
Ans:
{"hour": 5, "minute": 43}
